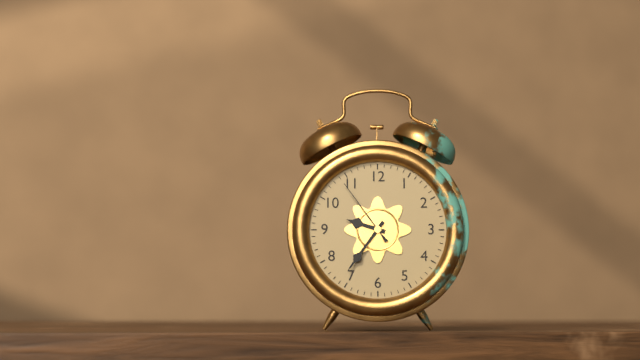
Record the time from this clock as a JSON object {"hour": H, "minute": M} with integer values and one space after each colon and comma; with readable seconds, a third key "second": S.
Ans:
{"hour": 9, "minute": 36, "second": 54}
